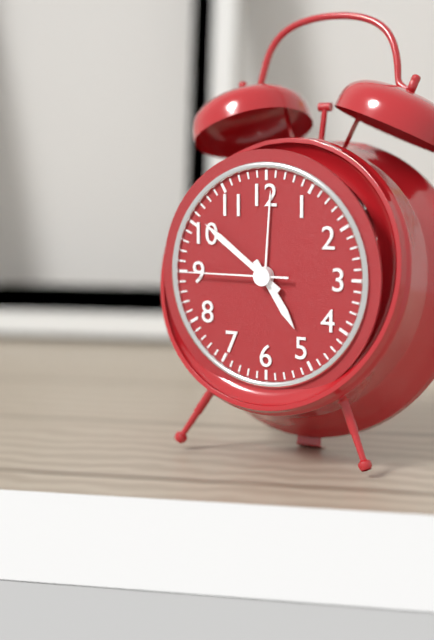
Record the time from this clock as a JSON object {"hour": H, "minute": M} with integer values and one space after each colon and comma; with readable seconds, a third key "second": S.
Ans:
{"hour": 4, "minute": 51, "second": 45}
